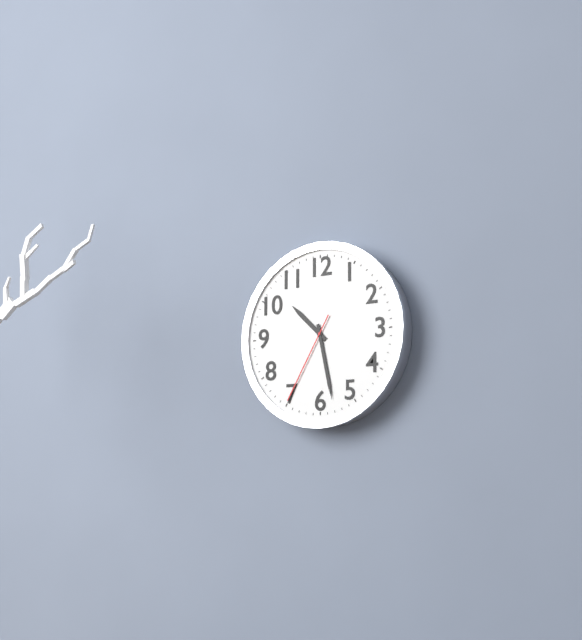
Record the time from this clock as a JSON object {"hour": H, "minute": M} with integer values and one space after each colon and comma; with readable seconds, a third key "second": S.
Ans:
{"hour": 10, "minute": 28, "second": 35}
